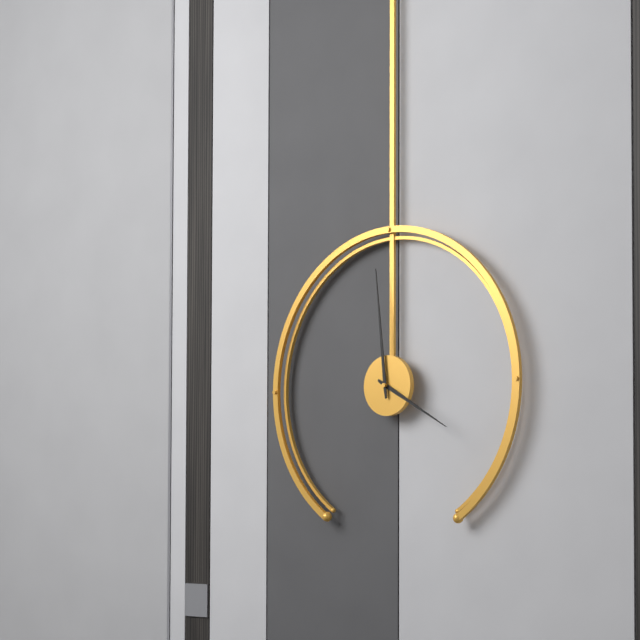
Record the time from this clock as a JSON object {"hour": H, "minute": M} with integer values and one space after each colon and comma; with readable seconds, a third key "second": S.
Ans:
{"hour": 3, "minute": 59}
